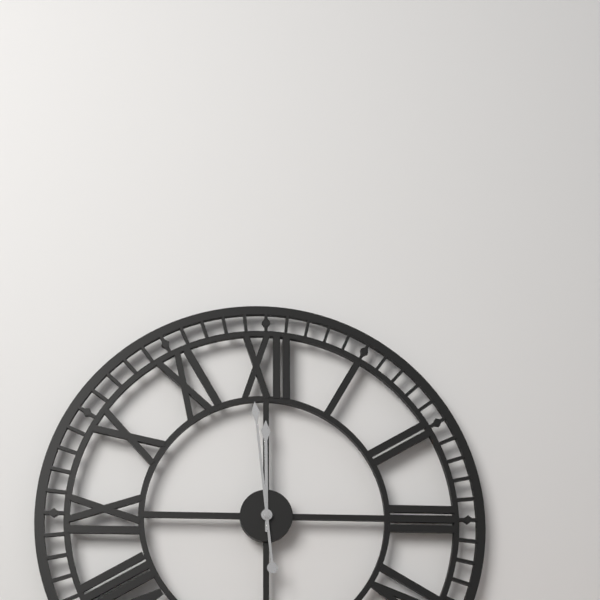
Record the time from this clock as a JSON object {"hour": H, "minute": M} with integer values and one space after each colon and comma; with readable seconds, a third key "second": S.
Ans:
{"hour": 11, "minute": 59}
